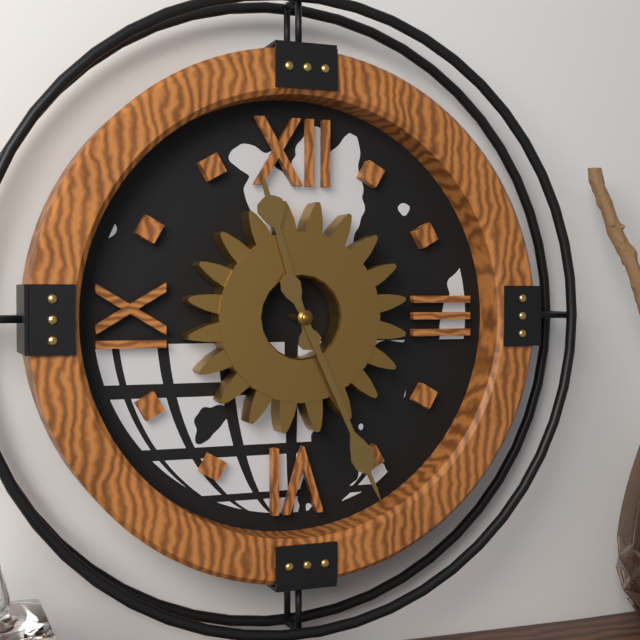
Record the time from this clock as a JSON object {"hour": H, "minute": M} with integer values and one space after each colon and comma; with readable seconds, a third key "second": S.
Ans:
{"hour": 11, "minute": 26}
